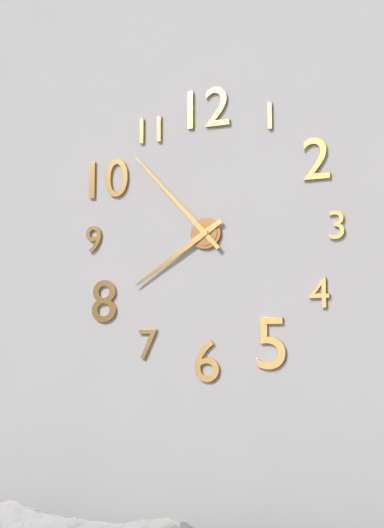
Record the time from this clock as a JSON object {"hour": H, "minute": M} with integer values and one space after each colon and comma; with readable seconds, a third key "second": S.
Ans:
{"hour": 7, "minute": 53}
